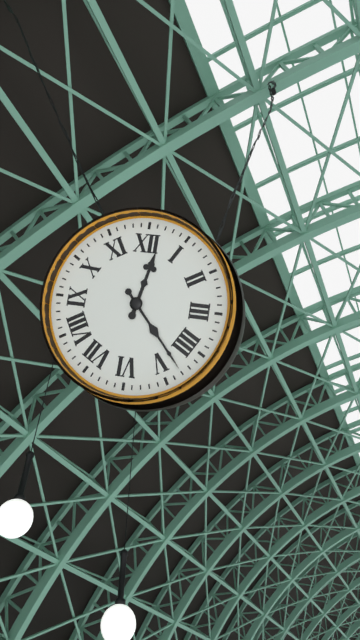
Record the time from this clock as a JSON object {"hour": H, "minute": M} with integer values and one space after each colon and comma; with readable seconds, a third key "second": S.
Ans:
{"hour": 12, "minute": 23}
